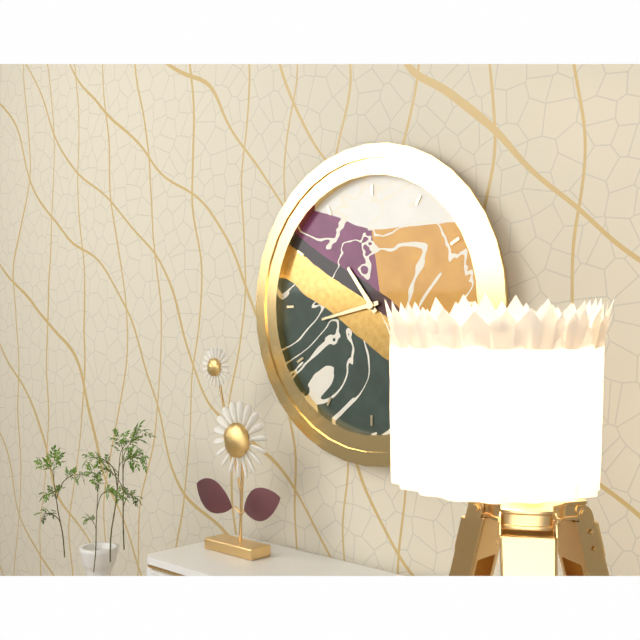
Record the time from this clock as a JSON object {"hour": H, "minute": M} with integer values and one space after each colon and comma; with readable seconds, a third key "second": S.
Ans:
{"hour": 10, "minute": 43}
